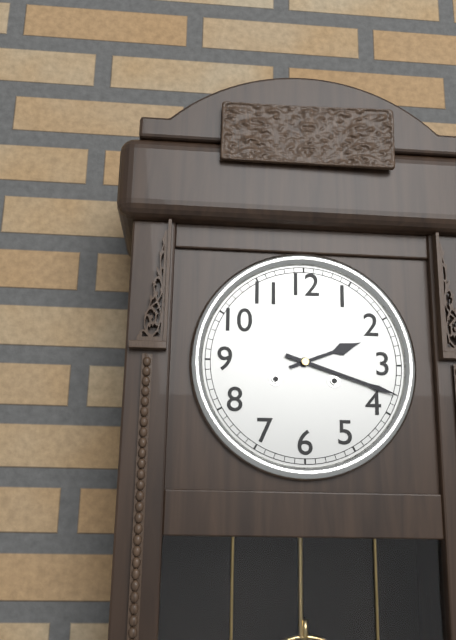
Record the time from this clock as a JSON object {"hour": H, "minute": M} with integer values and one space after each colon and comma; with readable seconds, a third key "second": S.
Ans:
{"hour": 2, "minute": 18}
